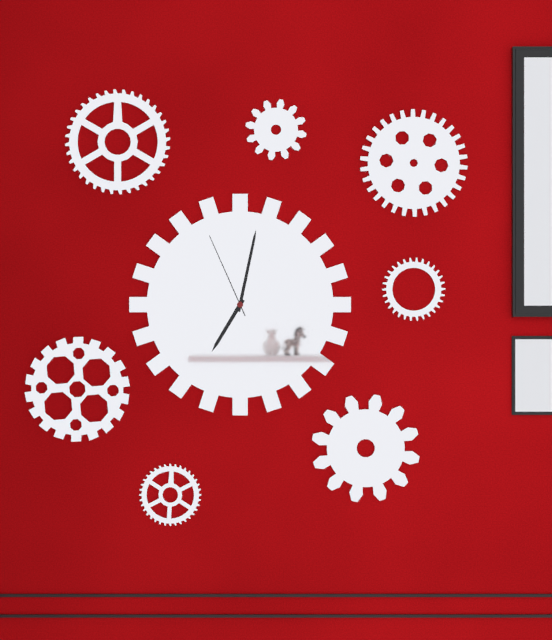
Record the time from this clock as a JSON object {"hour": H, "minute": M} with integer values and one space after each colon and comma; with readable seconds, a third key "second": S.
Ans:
{"hour": 7, "minute": 2, "second": 56}
